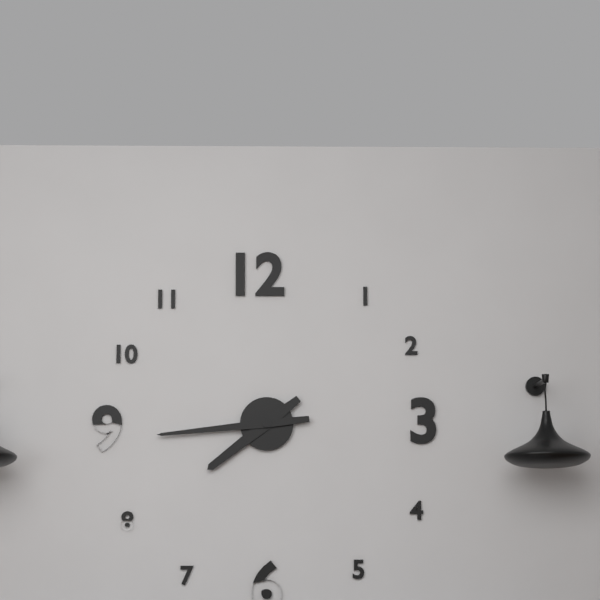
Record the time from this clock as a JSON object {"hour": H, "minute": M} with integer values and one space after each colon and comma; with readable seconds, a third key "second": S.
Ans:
{"hour": 7, "minute": 44}
